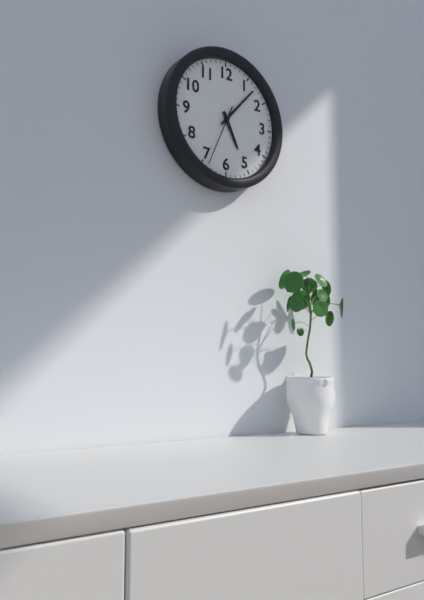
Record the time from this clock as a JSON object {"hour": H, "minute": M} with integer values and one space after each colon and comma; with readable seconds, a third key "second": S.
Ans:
{"hour": 5, "minute": 7, "second": 34}
